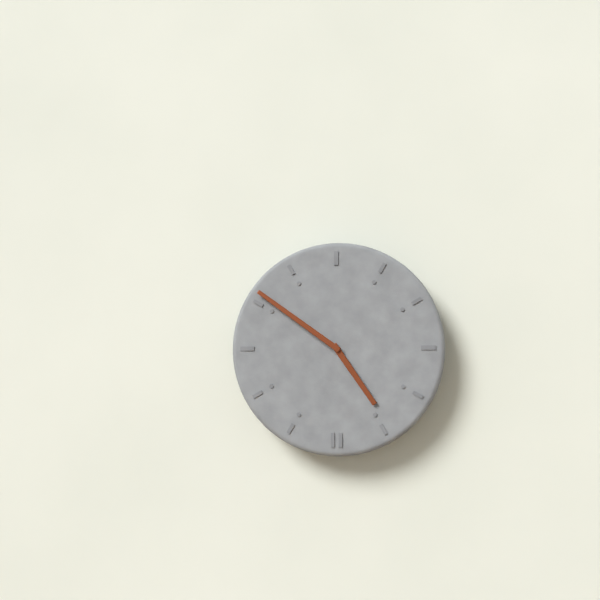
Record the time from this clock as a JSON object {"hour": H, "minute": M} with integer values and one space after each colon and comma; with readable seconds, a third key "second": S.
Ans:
{"hour": 4, "minute": 51}
